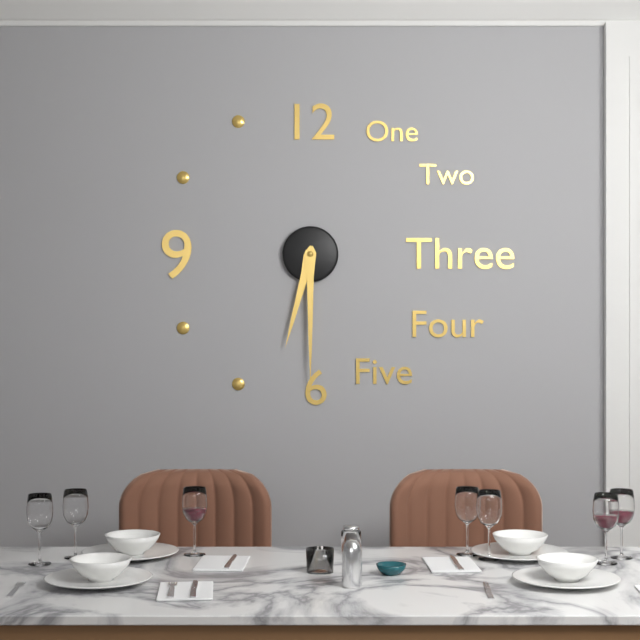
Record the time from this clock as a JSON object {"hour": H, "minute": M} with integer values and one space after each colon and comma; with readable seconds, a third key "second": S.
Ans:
{"hour": 6, "minute": 30}
